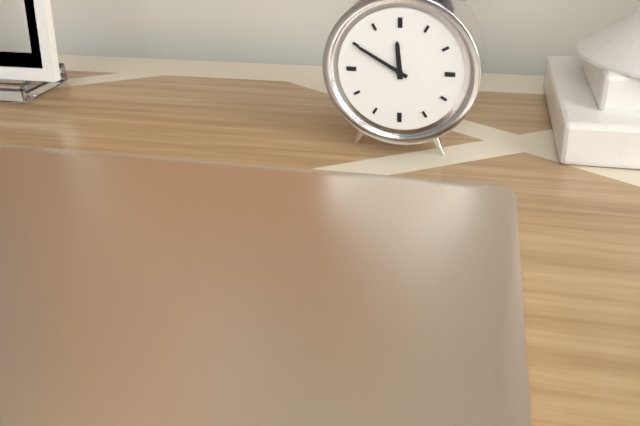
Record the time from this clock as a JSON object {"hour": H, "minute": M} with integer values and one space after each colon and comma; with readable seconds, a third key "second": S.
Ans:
{"hour": 11, "minute": 50}
